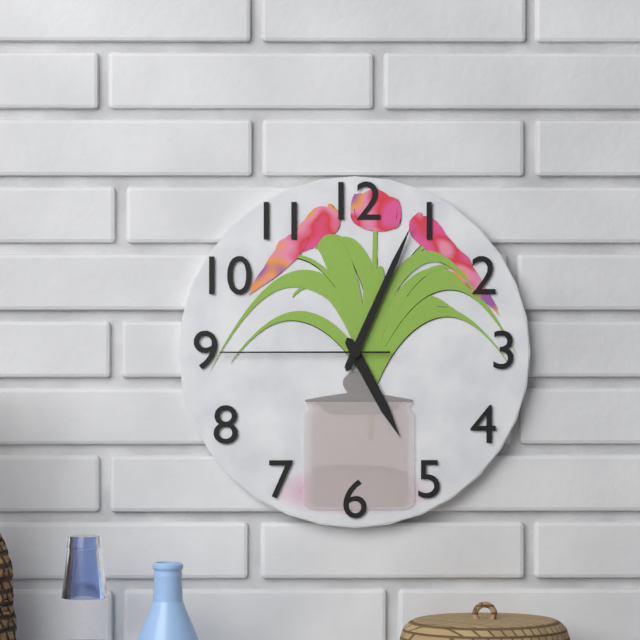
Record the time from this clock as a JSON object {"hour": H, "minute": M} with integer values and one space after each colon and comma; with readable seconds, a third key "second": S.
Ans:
{"hour": 5, "minute": 4, "second": 45}
